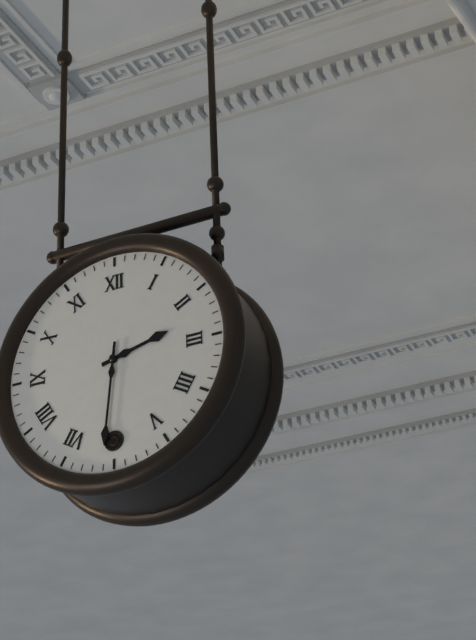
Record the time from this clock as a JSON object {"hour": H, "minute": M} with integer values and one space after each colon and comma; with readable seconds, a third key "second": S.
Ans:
{"hour": 2, "minute": 31}
